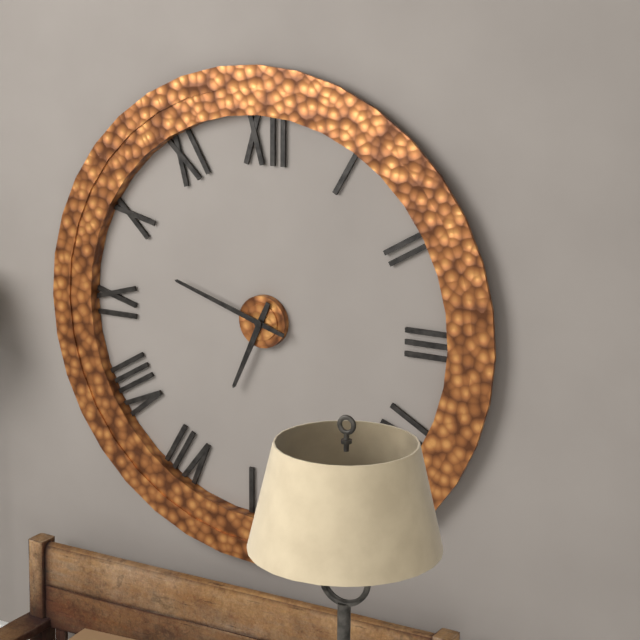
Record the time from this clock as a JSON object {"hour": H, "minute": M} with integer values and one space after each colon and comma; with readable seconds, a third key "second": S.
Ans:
{"hour": 6, "minute": 48}
